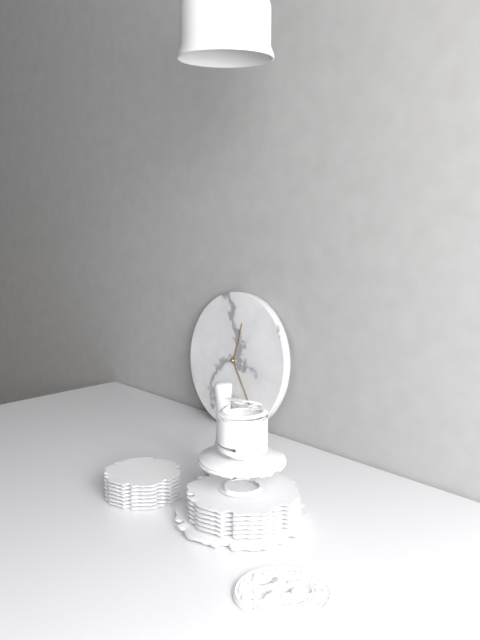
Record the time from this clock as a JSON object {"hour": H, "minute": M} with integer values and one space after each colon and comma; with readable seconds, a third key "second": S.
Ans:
{"hour": 12, "minute": 24}
